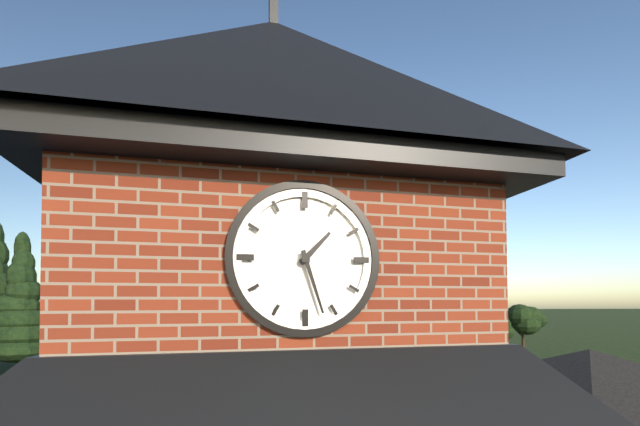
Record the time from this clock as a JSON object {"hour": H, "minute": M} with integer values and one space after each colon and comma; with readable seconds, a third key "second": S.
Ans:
{"hour": 1, "minute": 27}
